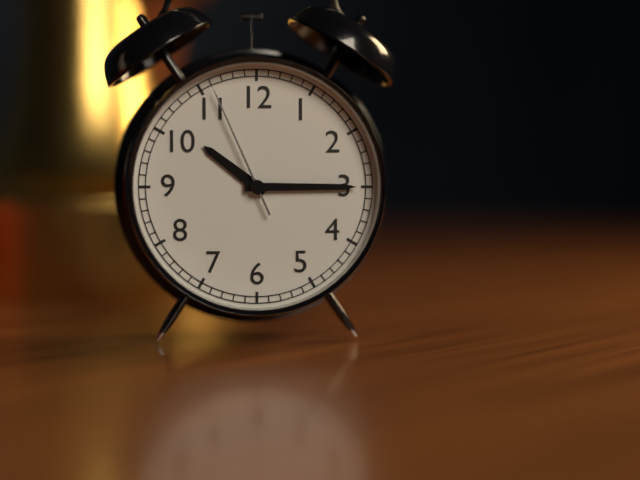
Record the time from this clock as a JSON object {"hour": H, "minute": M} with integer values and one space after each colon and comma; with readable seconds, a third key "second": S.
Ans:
{"hour": 10, "minute": 15, "second": 56}
